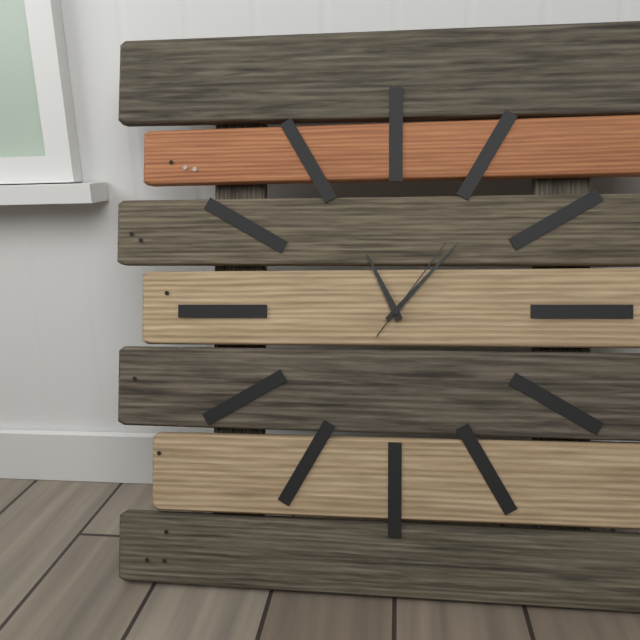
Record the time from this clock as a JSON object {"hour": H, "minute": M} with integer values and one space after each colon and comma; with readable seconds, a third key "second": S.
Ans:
{"hour": 11, "minute": 7, "second": 6}
